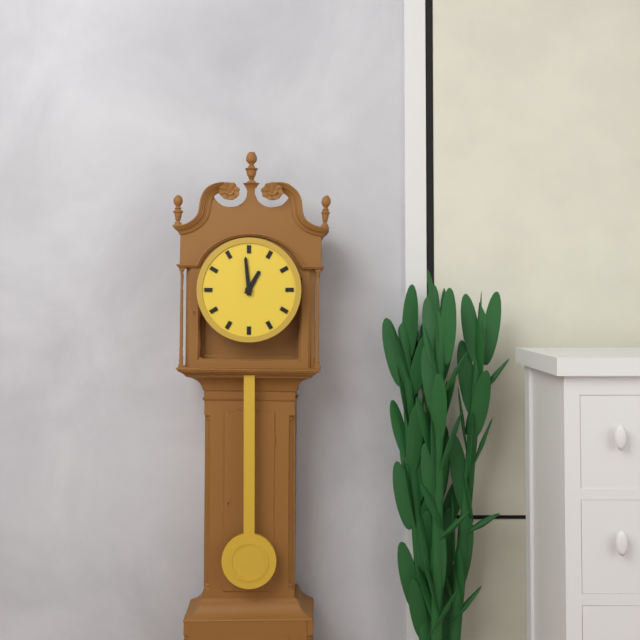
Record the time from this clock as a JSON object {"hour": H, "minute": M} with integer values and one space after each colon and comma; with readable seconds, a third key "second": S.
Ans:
{"hour": 12, "minute": 59}
